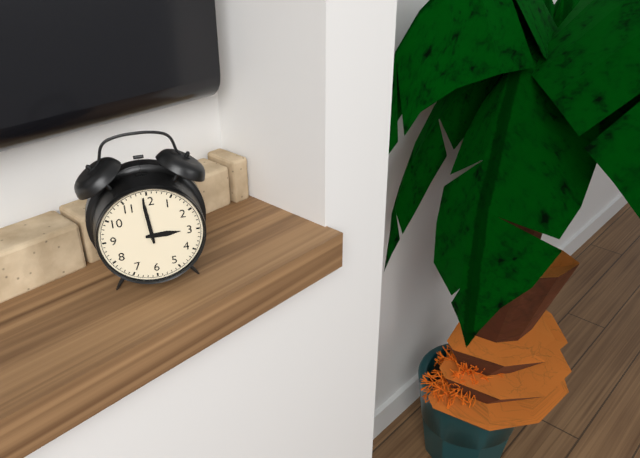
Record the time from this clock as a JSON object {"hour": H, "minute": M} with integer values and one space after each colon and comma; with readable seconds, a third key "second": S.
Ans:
{"hour": 2, "minute": 59}
